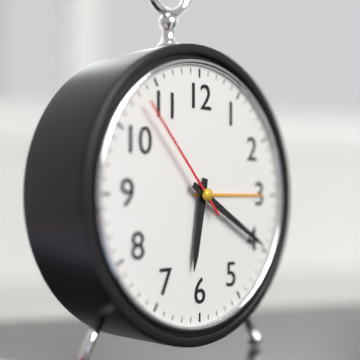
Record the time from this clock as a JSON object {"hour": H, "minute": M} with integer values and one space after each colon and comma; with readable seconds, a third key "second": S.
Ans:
{"hour": 6, "minute": 20, "second": 53}
